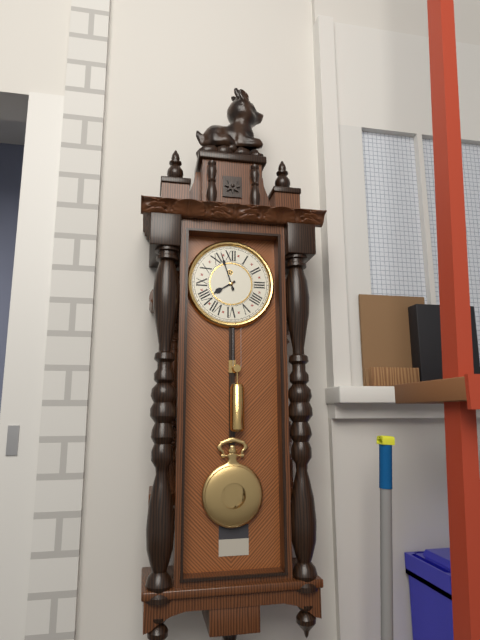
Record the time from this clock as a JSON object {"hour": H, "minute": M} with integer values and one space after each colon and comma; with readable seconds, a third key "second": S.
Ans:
{"hour": 7, "minute": 57}
